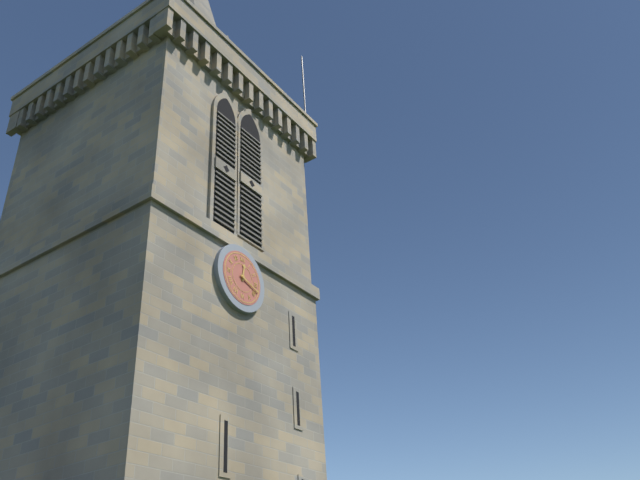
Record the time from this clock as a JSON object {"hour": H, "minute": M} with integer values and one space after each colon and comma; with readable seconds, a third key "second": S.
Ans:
{"hour": 12, "minute": 18}
